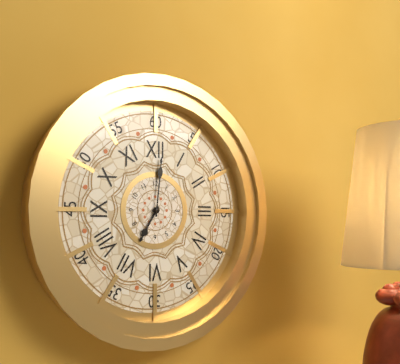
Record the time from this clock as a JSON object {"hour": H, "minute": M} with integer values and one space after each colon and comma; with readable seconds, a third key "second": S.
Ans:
{"hour": 7, "minute": 1}
